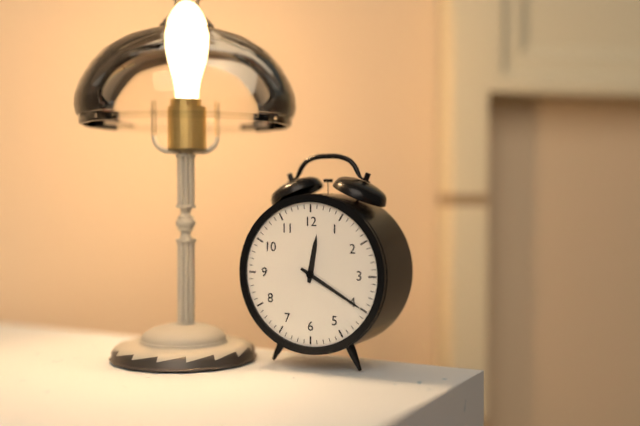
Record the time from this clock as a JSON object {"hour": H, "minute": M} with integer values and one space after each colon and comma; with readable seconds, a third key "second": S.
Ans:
{"hour": 12, "minute": 20}
